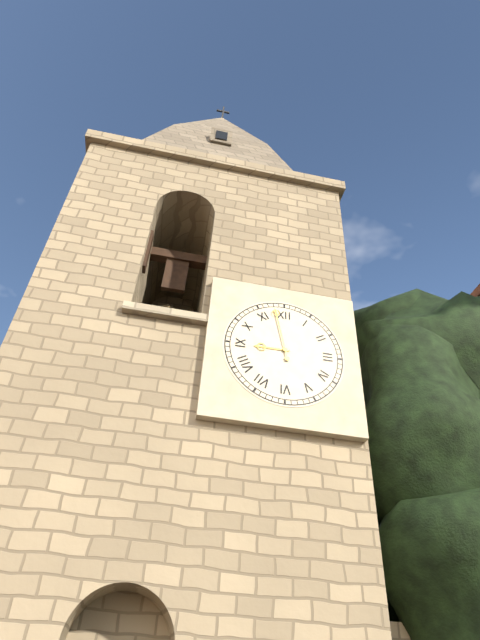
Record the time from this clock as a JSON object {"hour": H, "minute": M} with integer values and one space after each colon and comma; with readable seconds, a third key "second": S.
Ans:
{"hour": 8, "minute": 58}
